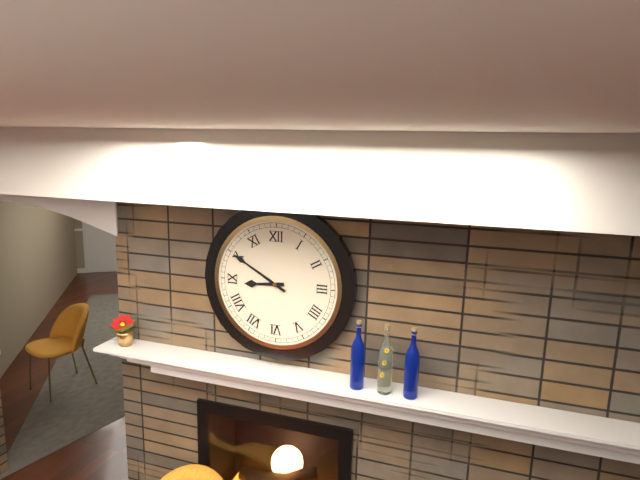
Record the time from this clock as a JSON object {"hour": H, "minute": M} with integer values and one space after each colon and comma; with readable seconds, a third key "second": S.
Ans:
{"hour": 8, "minute": 50}
